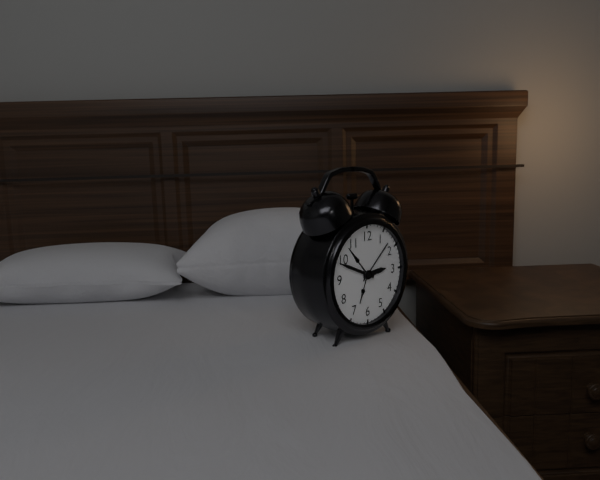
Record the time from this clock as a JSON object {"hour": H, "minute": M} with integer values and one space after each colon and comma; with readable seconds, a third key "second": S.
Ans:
{"hour": 2, "minute": 49}
